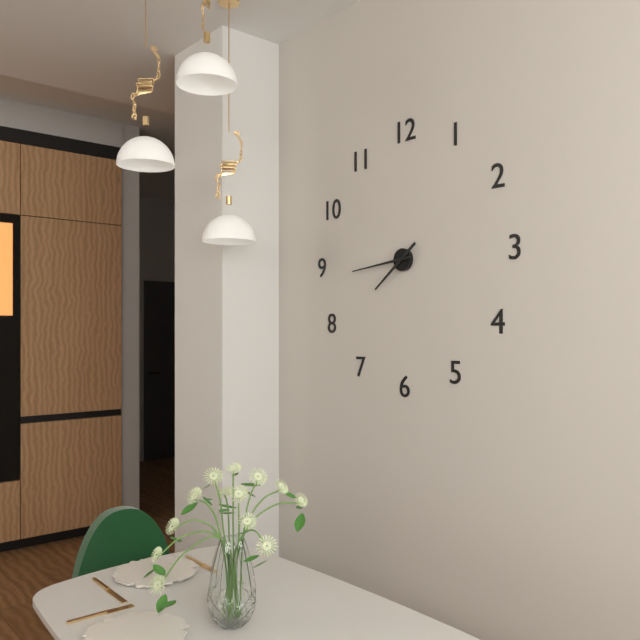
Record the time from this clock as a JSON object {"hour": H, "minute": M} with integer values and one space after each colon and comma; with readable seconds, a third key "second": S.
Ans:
{"hour": 7, "minute": 44}
